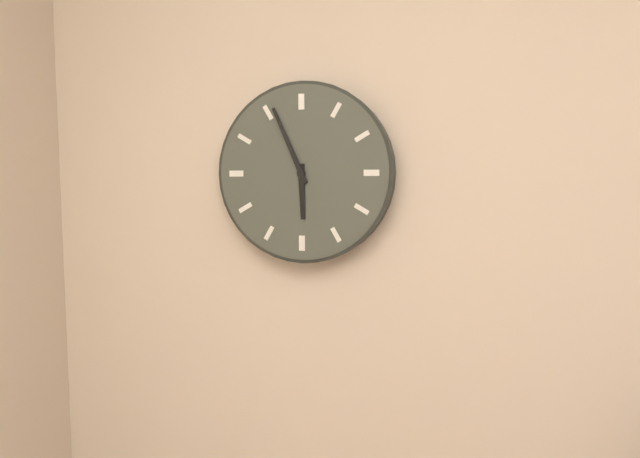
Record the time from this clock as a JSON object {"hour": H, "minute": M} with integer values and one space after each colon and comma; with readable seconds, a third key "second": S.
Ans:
{"hour": 5, "minute": 56}
